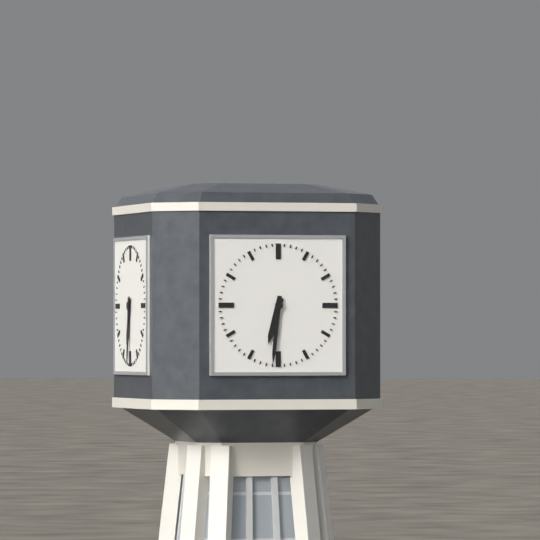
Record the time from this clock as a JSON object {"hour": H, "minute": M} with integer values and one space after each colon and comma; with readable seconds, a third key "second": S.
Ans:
{"hour": 6, "minute": 31}
